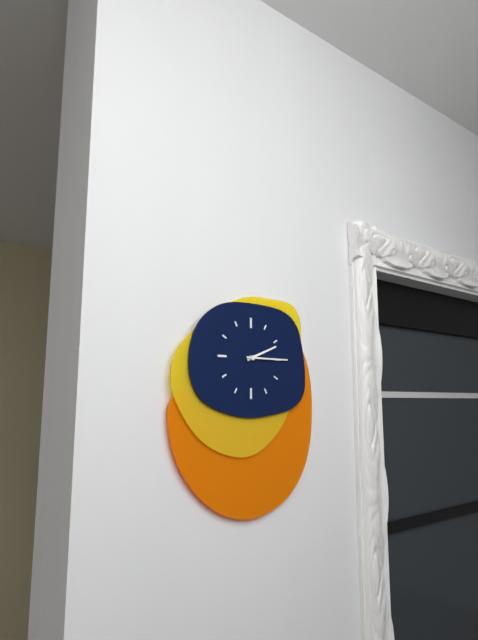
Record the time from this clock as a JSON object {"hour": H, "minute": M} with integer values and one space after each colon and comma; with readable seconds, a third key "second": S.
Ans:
{"hour": 2, "minute": 15}
